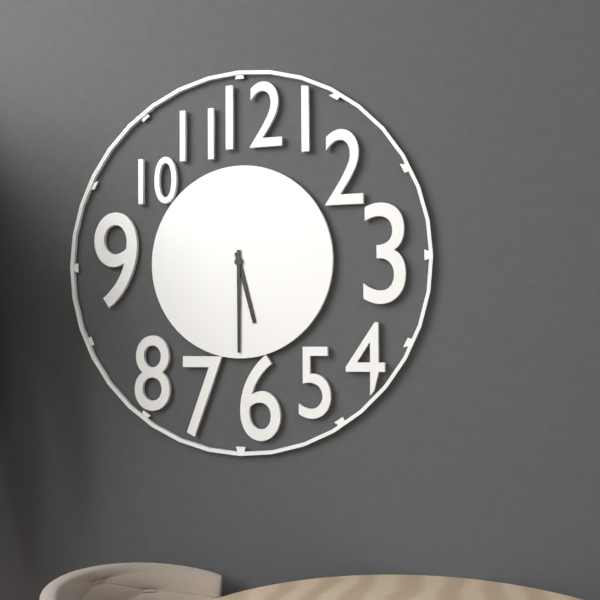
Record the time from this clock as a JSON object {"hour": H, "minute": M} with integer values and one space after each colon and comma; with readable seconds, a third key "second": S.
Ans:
{"hour": 5, "minute": 30}
